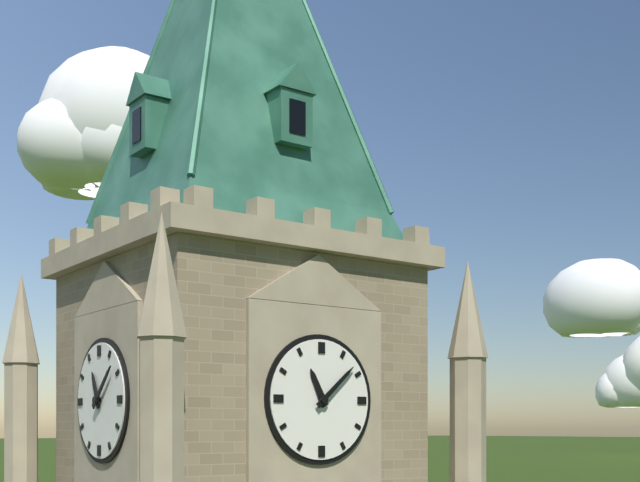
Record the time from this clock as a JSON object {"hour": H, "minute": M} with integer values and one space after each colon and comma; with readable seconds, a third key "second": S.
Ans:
{"hour": 11, "minute": 8}
